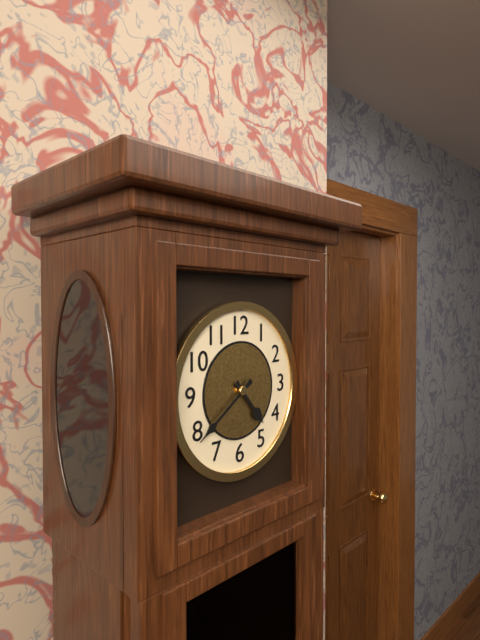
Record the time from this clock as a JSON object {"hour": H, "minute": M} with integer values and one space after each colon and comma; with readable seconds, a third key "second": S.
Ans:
{"hour": 4, "minute": 39}
